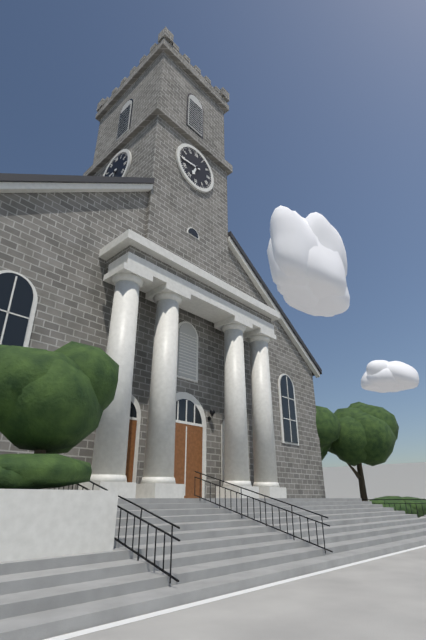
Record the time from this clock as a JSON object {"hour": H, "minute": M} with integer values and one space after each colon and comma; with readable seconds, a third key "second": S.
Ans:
{"hour": 6, "minute": 44}
